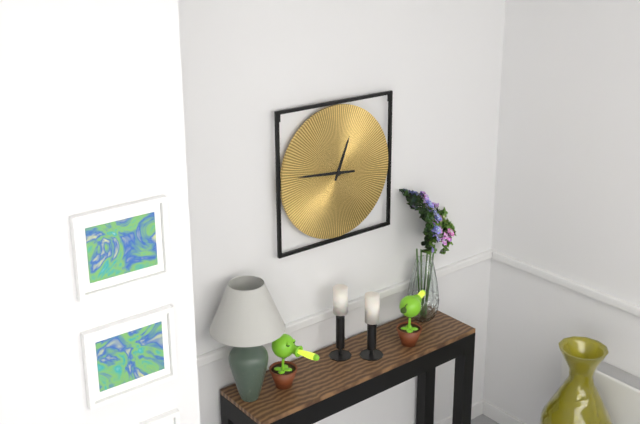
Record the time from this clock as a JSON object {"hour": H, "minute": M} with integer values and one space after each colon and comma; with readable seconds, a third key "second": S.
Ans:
{"hour": 12, "minute": 46}
